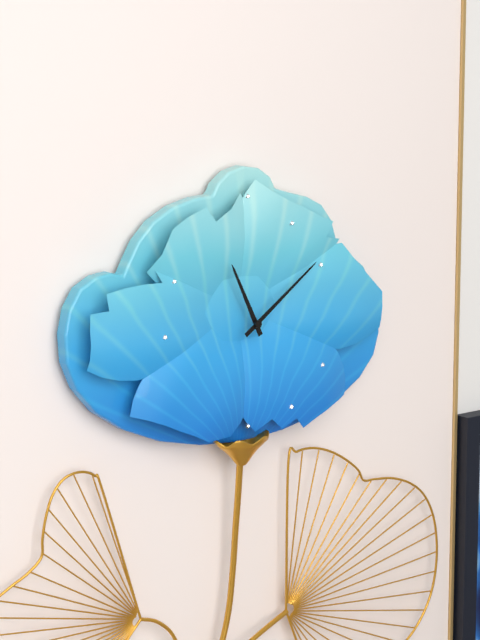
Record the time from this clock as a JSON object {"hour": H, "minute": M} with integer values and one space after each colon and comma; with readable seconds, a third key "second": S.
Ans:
{"hour": 11, "minute": 9}
